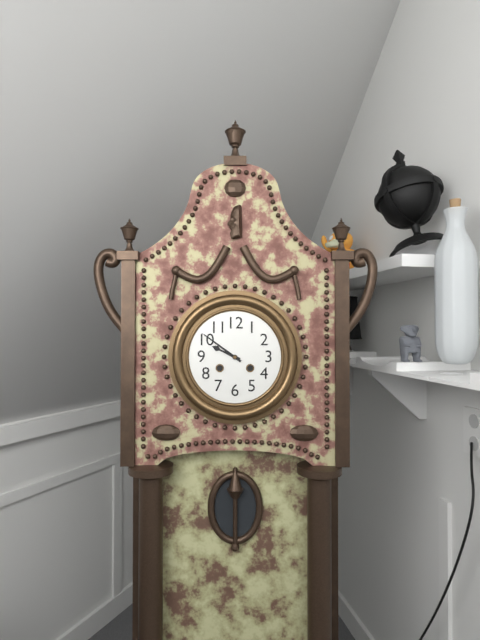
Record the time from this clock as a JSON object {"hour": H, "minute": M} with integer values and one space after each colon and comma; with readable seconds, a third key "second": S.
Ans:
{"hour": 9, "minute": 51}
